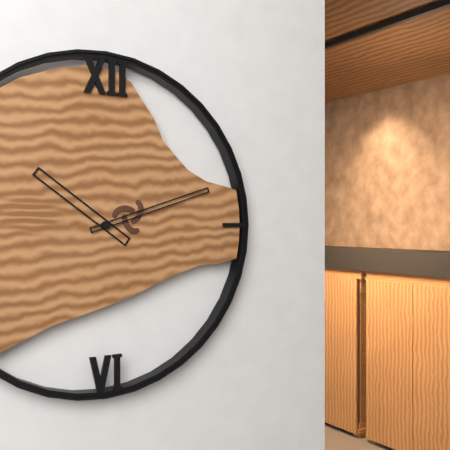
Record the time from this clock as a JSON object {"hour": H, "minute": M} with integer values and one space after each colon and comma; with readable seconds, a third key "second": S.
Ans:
{"hour": 10, "minute": 12}
